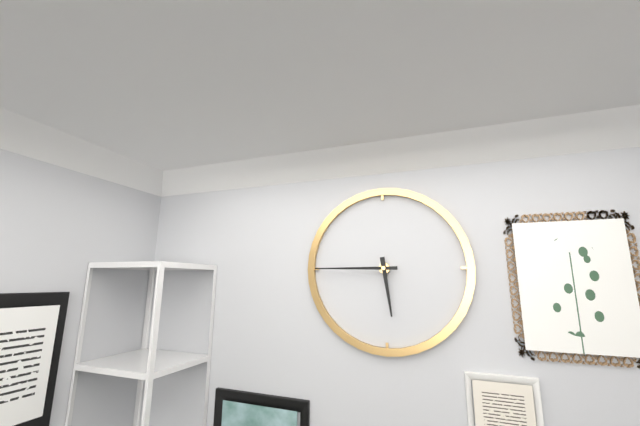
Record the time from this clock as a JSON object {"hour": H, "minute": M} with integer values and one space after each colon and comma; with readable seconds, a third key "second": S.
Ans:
{"hour": 5, "minute": 45}
